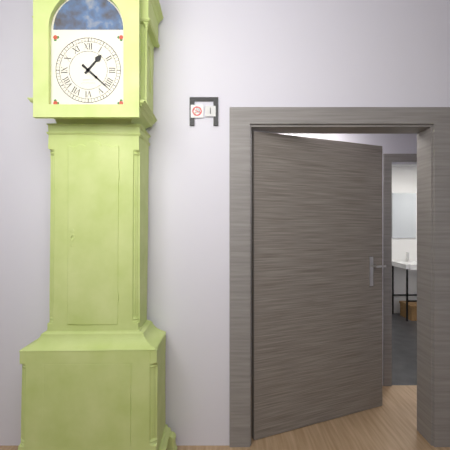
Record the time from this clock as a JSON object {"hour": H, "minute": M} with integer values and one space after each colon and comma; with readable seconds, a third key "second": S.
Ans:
{"hour": 1, "minute": 22}
